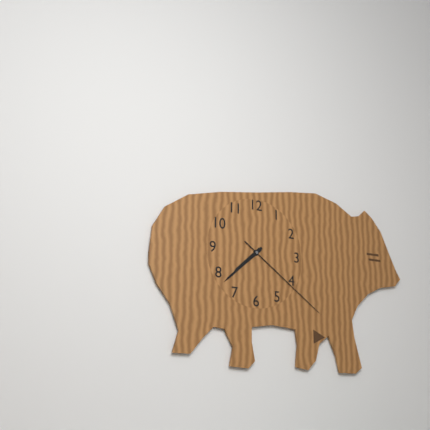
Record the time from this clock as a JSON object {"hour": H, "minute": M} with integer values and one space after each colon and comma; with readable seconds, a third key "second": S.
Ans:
{"hour": 7, "minute": 38, "second": 21}
